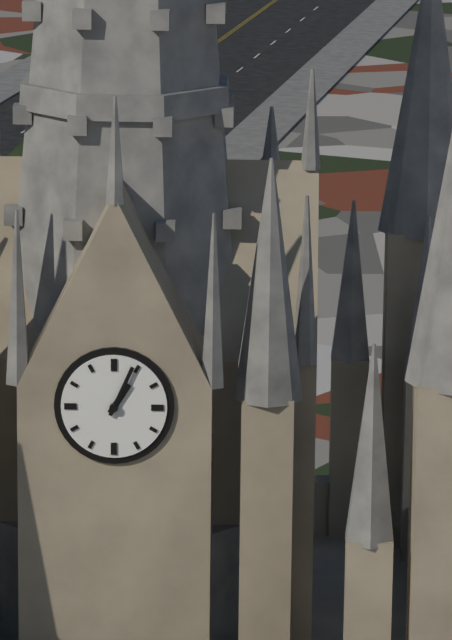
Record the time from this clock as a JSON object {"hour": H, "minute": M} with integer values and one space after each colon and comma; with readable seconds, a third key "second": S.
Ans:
{"hour": 1, "minute": 4}
